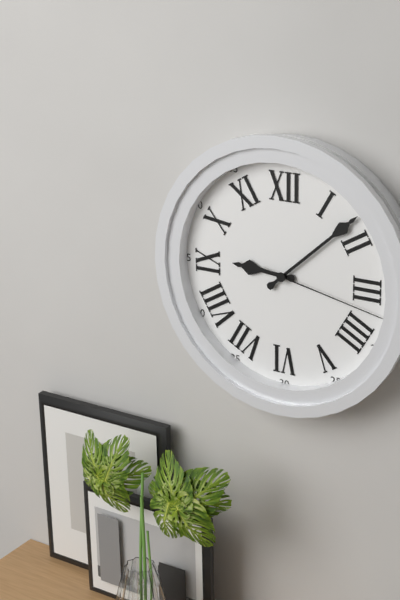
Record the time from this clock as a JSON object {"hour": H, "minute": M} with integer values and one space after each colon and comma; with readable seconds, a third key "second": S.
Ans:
{"hour": 9, "minute": 8, "second": 17}
